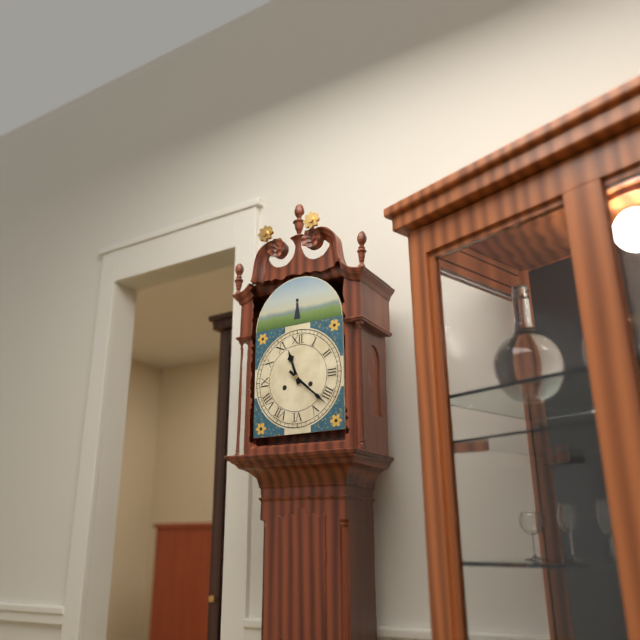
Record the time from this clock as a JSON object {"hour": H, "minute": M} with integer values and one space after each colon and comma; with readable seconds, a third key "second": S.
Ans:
{"hour": 11, "minute": 22}
